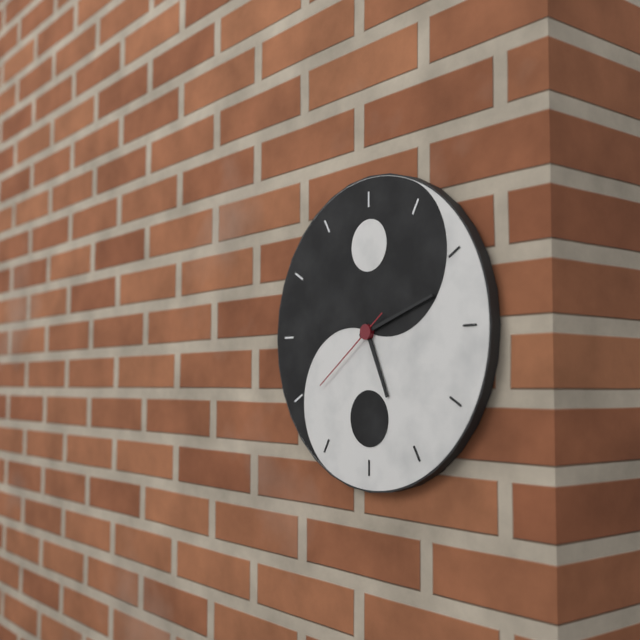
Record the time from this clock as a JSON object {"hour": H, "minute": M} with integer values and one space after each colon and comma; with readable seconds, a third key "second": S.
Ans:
{"hour": 5, "minute": 12, "second": 39}
